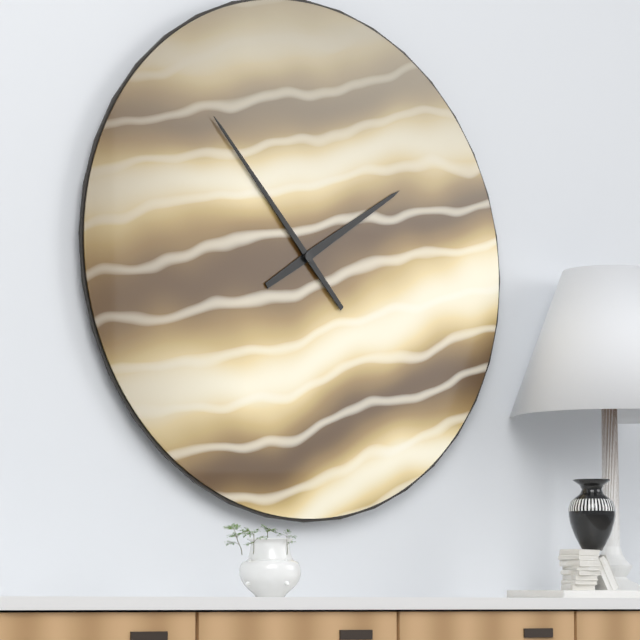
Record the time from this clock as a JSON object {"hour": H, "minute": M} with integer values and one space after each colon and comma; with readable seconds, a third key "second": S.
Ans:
{"hour": 1, "minute": 53}
